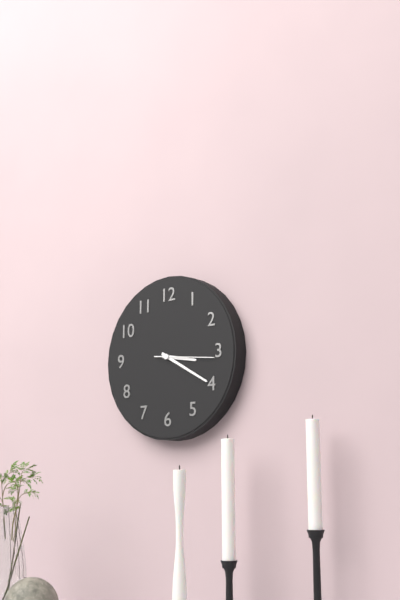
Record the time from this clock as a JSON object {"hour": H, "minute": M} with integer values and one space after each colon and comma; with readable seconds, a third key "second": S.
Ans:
{"hour": 3, "minute": 20, "second": 16}
